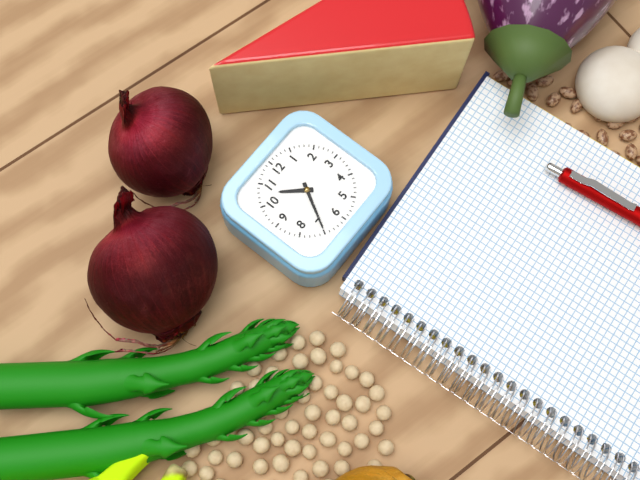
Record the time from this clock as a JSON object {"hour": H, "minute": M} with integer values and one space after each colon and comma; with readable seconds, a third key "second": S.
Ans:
{"hour": 10, "minute": 35}
